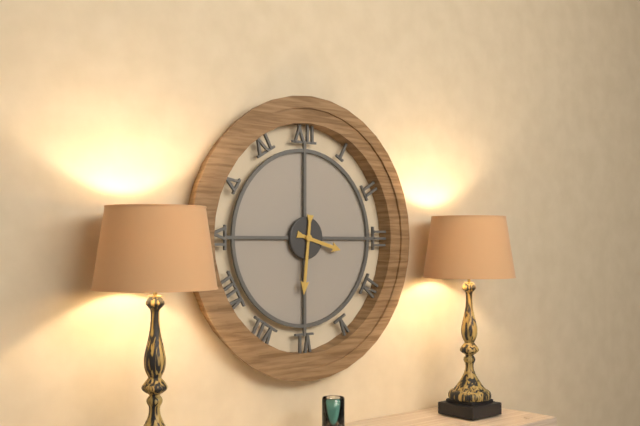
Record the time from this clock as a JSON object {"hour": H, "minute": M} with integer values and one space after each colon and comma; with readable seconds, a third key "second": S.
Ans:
{"hour": 3, "minute": 31}
